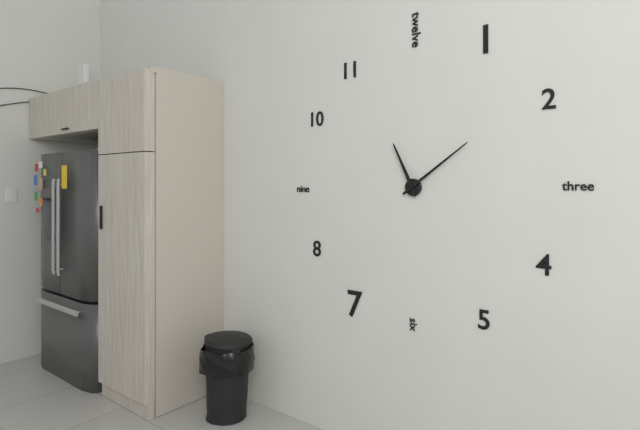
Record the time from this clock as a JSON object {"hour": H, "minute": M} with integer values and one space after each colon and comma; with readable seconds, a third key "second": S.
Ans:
{"hour": 11, "minute": 9}
